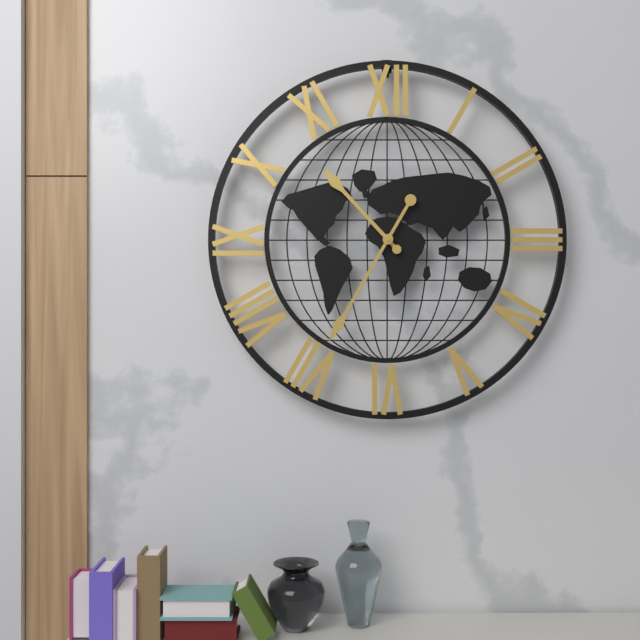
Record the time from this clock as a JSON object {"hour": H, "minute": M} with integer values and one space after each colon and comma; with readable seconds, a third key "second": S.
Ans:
{"hour": 10, "minute": 35}
